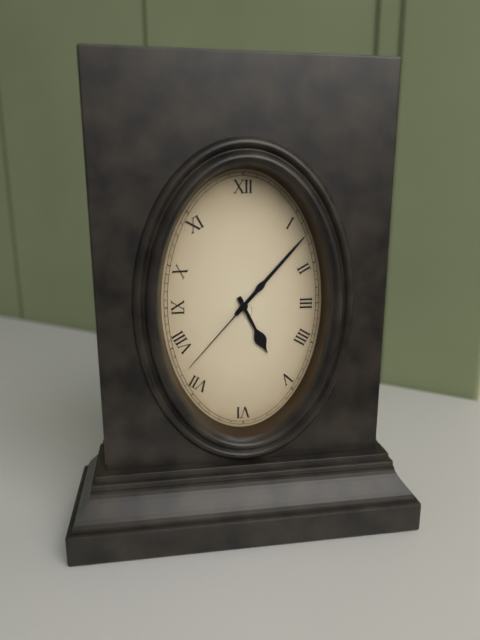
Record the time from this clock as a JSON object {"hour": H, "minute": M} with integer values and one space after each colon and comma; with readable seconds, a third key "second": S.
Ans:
{"hour": 5, "minute": 7, "second": 37}
